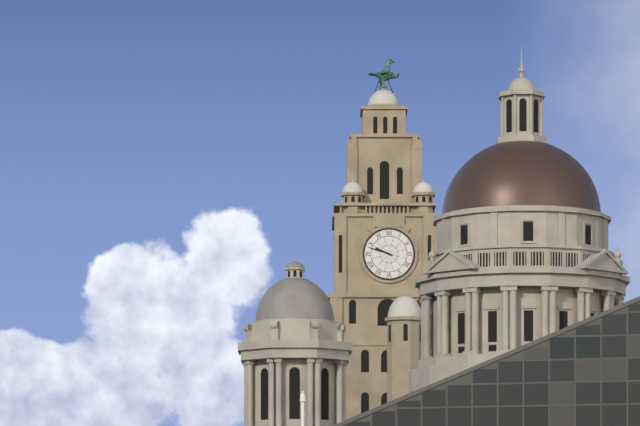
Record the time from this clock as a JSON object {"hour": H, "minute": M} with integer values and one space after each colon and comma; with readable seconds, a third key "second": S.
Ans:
{"hour": 9, "minute": 48}
